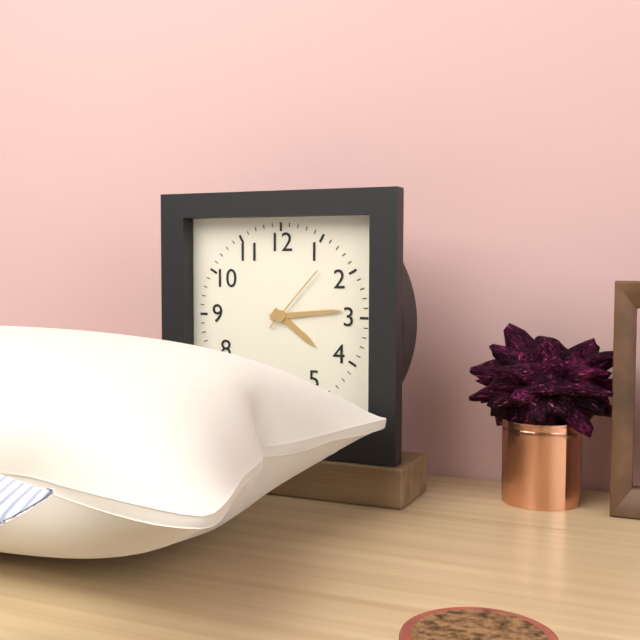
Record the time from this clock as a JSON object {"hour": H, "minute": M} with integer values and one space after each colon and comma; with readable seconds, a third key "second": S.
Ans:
{"hour": 4, "minute": 14, "second": 7}
